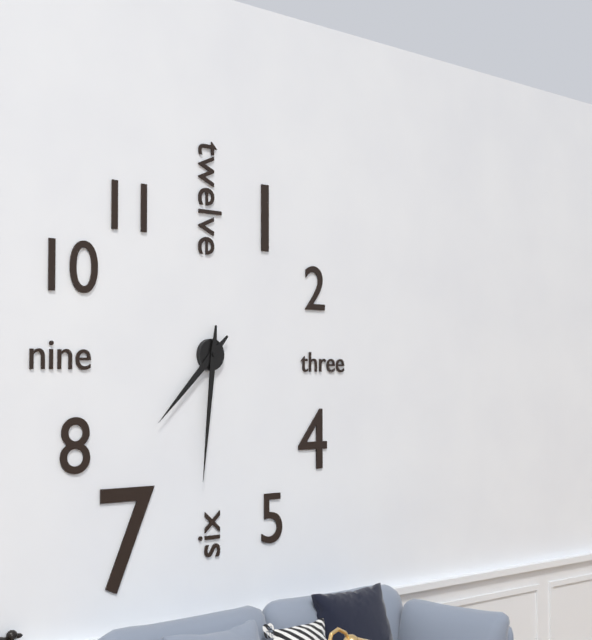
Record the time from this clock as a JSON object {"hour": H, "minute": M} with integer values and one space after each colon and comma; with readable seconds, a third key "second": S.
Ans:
{"hour": 7, "minute": 31}
